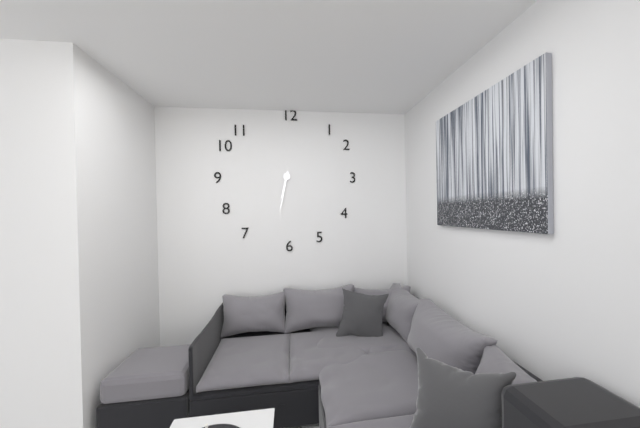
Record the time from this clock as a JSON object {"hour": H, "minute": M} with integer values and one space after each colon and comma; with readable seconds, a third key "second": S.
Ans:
{"hour": 6, "minute": 32}
